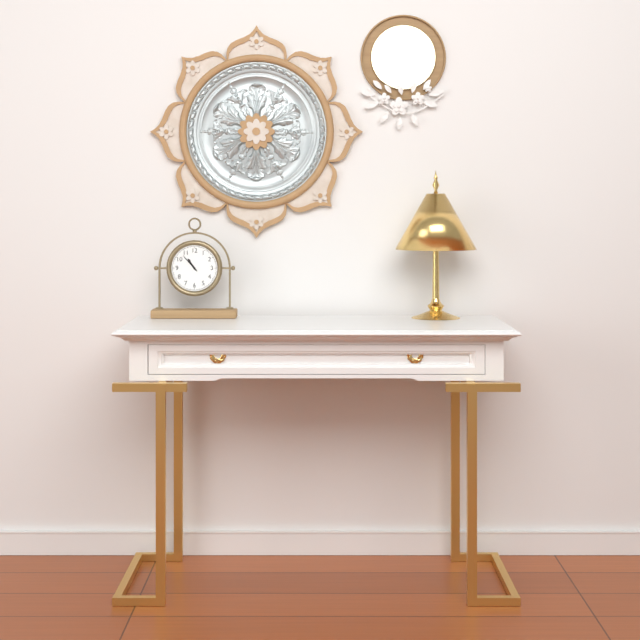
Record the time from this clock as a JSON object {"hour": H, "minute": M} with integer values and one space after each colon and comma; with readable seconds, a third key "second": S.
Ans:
{"hour": 10, "minute": 53}
